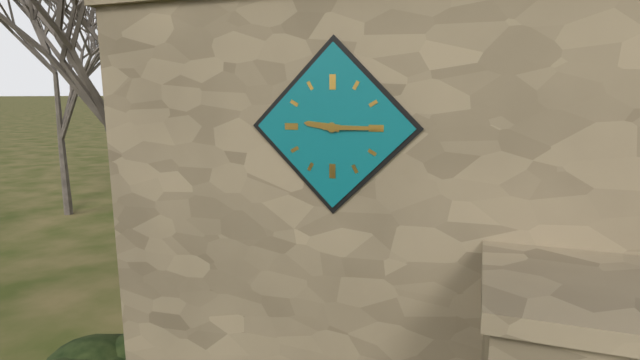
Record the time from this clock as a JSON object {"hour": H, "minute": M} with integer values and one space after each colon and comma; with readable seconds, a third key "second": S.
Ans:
{"hour": 9, "minute": 15}
